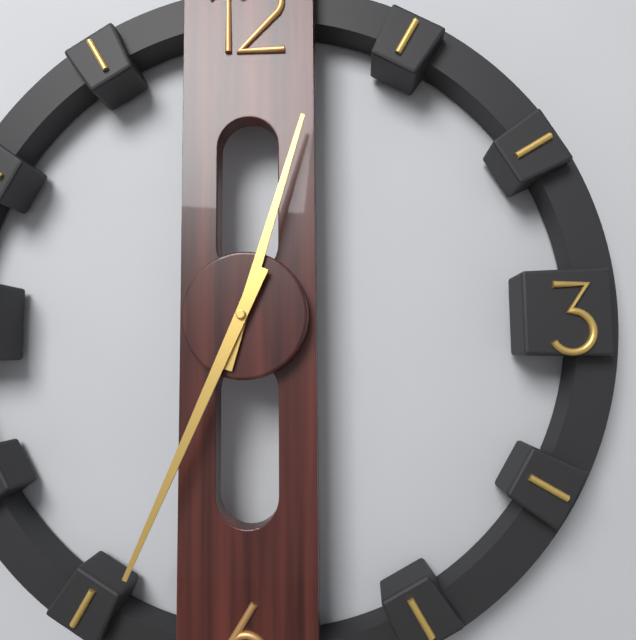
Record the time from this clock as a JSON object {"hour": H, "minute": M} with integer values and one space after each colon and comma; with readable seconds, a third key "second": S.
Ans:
{"hour": 12, "minute": 34}
